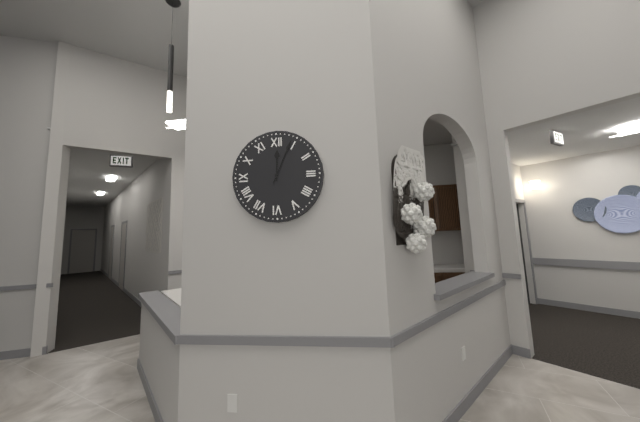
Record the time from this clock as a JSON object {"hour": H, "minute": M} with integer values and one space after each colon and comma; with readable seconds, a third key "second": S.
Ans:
{"hour": 12, "minute": 4}
